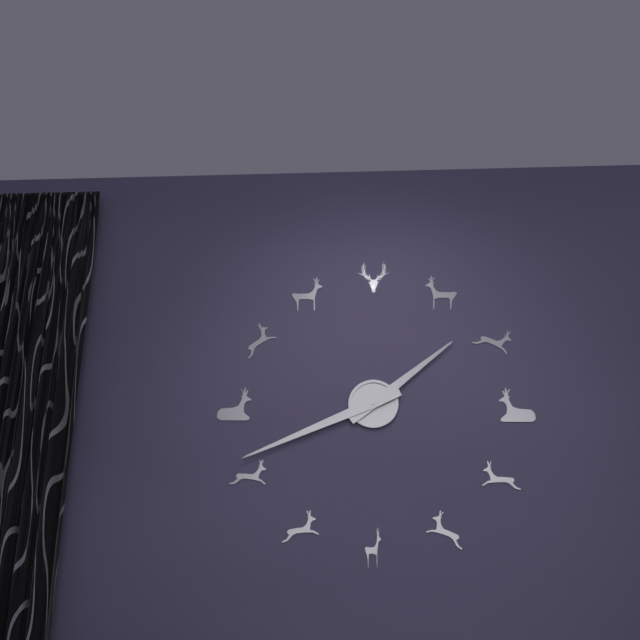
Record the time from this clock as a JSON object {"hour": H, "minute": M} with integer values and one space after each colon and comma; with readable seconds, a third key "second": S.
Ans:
{"hour": 1, "minute": 41}
